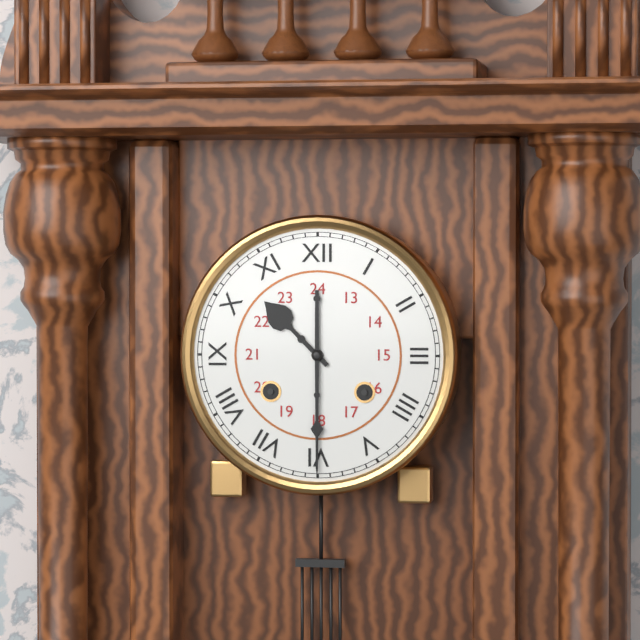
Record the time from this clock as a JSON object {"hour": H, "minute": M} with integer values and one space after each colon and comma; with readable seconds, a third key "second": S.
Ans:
{"hour": 10, "minute": 30}
